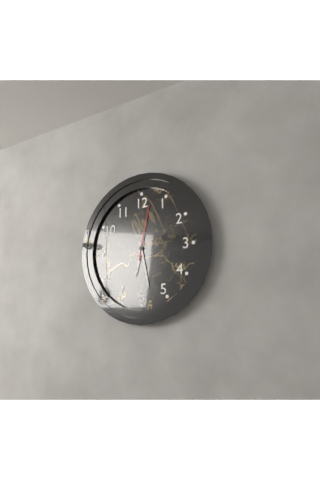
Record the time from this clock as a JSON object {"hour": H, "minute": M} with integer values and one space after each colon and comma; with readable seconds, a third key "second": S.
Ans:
{"hour": 6, "minute": 28, "second": 2}
